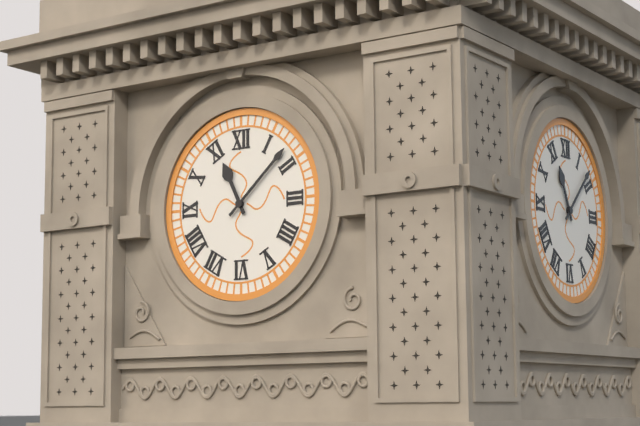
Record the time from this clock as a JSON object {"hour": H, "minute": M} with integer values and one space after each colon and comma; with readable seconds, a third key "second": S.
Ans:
{"hour": 11, "minute": 8}
